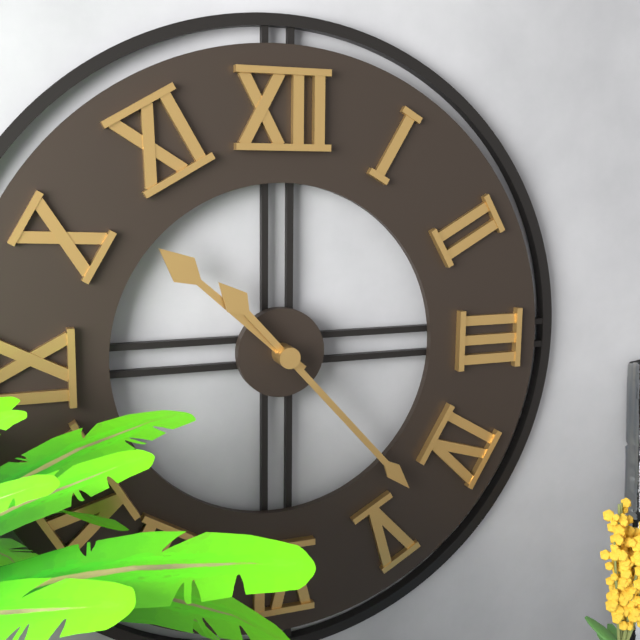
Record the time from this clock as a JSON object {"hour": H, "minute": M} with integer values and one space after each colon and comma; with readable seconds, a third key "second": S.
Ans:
{"hour": 10, "minute": 23}
